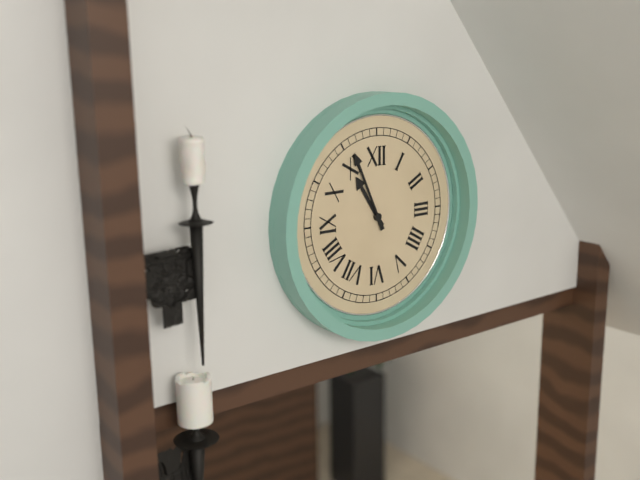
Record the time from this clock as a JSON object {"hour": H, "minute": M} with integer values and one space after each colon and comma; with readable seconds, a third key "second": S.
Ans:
{"hour": 10, "minute": 56}
